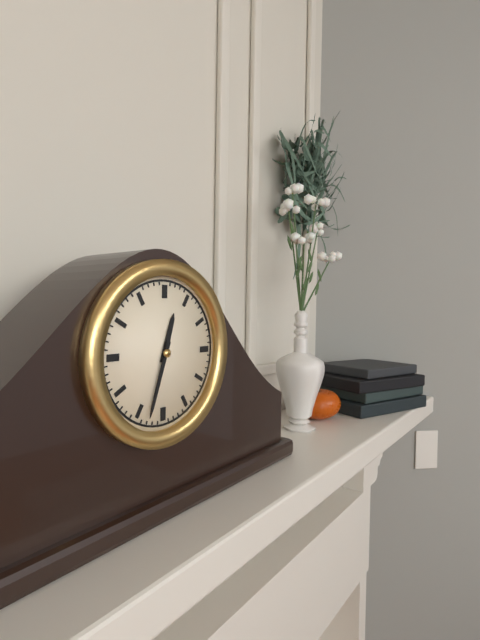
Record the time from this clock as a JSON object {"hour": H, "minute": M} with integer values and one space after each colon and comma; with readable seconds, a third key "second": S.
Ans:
{"hour": 12, "minute": 33}
